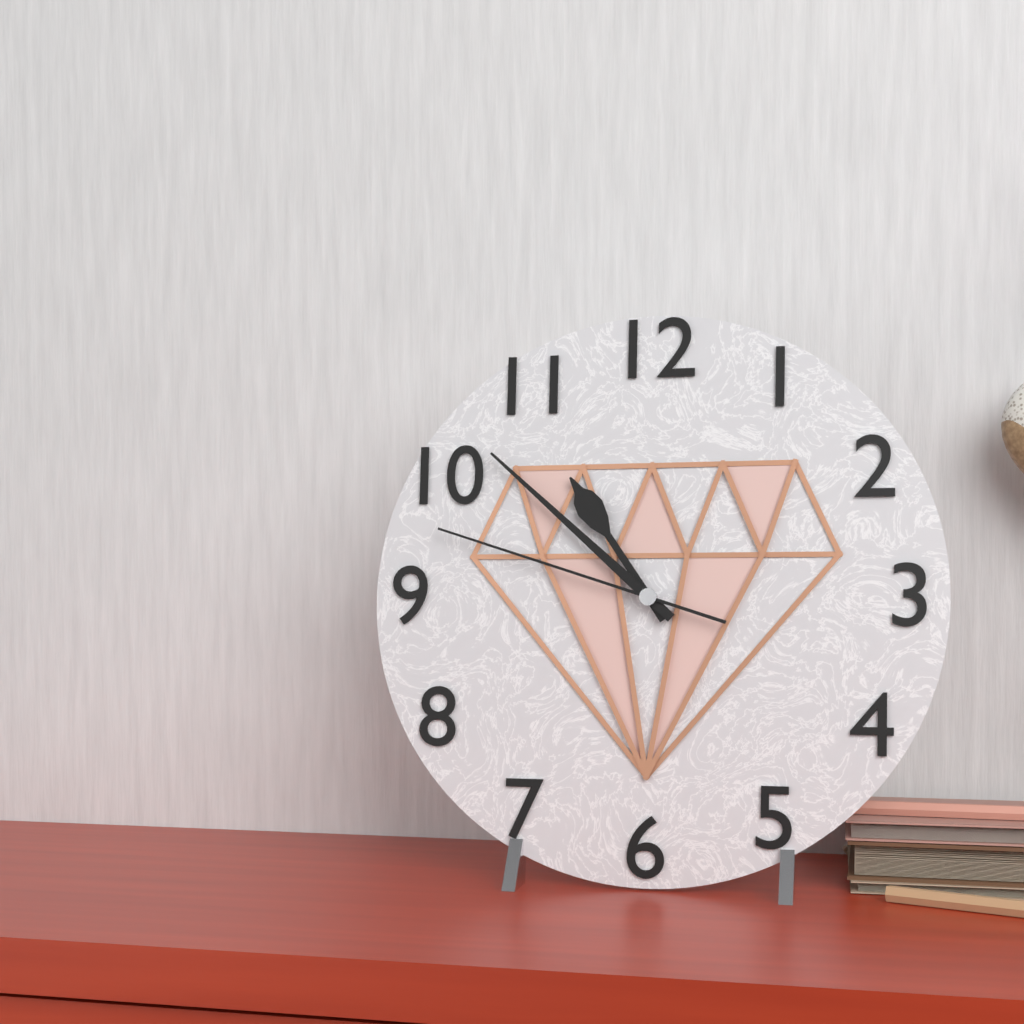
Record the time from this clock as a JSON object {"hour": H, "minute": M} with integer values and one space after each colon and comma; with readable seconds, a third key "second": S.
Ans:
{"hour": 10, "minute": 52, "second": 48}
